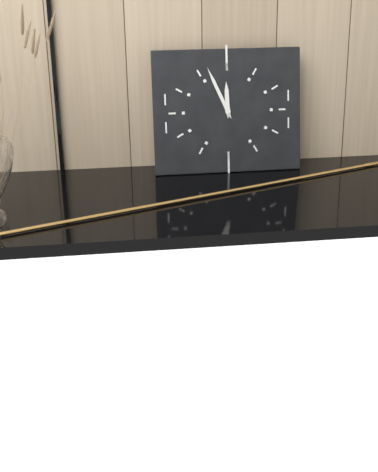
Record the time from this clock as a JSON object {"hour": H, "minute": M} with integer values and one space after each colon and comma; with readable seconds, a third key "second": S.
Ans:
{"hour": 11, "minute": 56}
